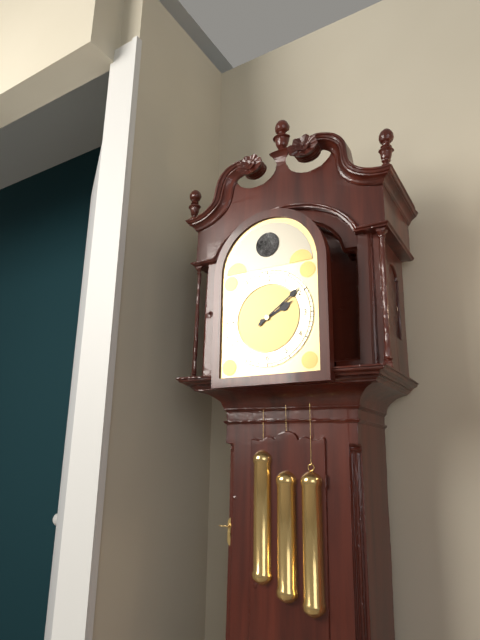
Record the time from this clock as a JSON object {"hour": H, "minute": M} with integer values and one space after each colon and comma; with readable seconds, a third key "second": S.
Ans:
{"hour": 2, "minute": 9}
